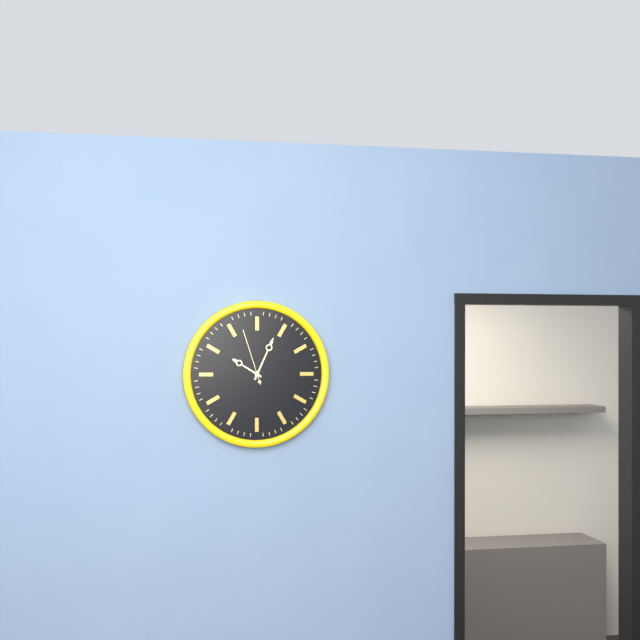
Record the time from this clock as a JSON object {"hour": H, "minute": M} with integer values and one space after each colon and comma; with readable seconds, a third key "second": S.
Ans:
{"hour": 10, "minute": 4, "second": 57}
